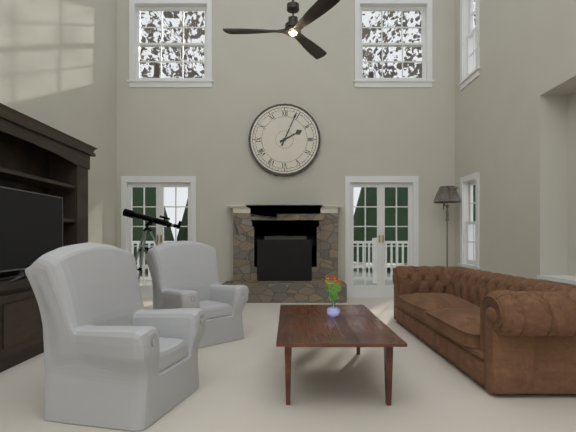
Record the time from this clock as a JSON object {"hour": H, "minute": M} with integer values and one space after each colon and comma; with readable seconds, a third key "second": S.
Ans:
{"hour": 2, "minute": 4}
